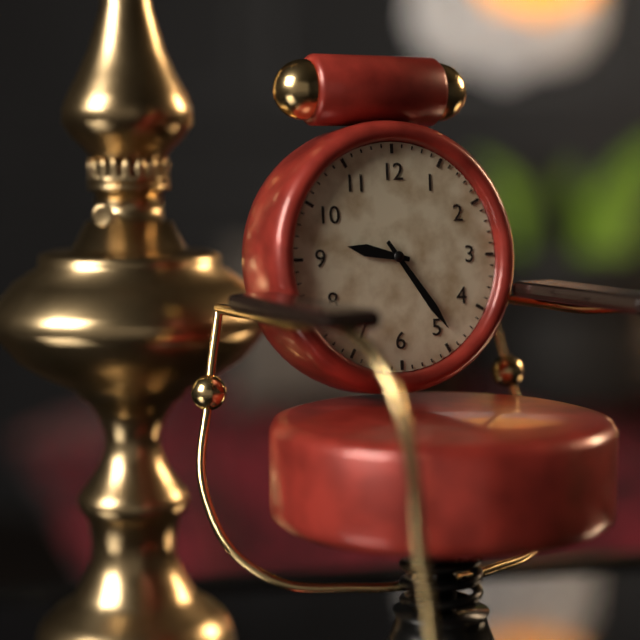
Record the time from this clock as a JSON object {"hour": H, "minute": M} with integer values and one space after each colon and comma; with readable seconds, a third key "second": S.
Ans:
{"hour": 9, "minute": 24}
